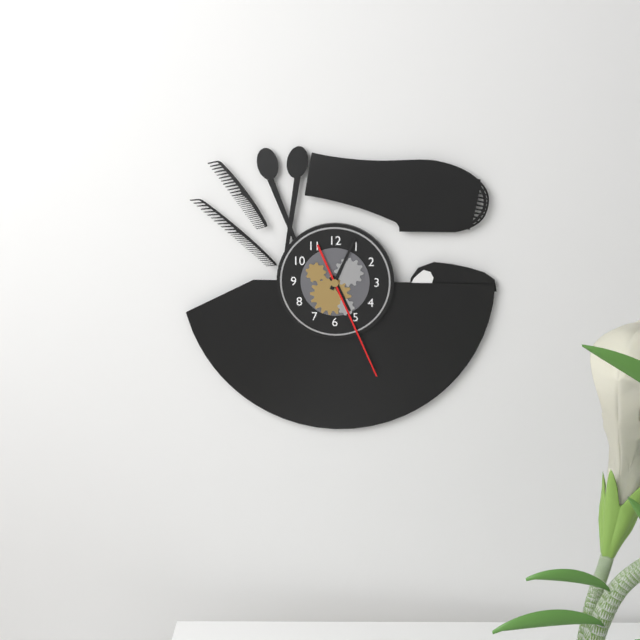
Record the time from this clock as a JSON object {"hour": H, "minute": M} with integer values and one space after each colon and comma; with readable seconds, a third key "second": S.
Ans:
{"hour": 5, "minute": 4, "second": 26}
